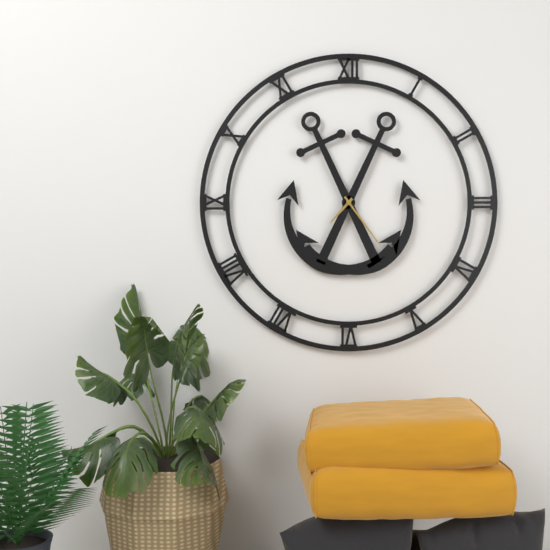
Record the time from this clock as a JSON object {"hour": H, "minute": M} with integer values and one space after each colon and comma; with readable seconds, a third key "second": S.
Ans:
{"hour": 7, "minute": 24}
